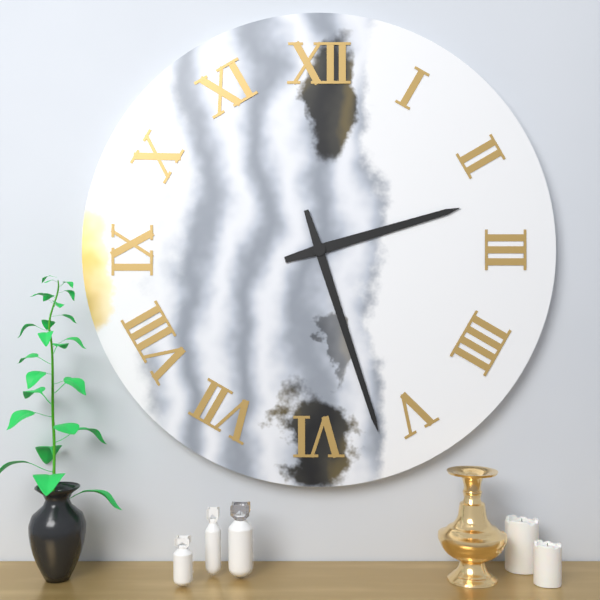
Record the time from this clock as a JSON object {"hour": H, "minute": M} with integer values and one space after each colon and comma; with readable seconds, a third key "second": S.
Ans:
{"hour": 2, "minute": 27}
